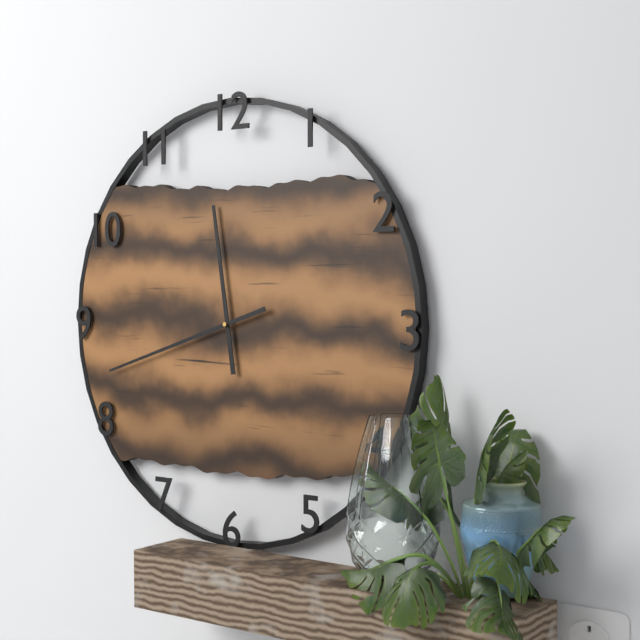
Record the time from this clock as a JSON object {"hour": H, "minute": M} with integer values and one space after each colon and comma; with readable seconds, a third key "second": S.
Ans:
{"hour": 11, "minute": 42}
